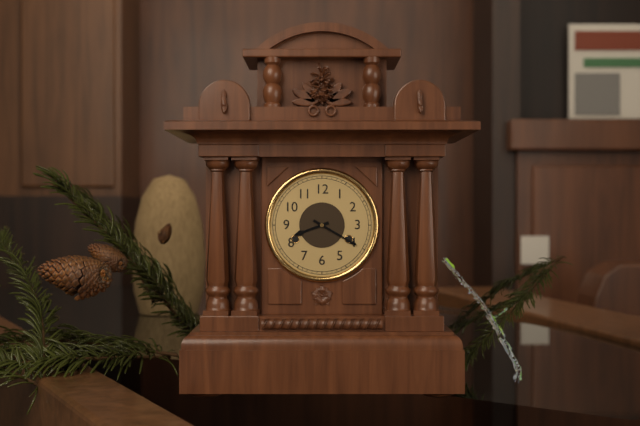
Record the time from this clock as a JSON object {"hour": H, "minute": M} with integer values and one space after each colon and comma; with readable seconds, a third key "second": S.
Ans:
{"hour": 8, "minute": 20}
